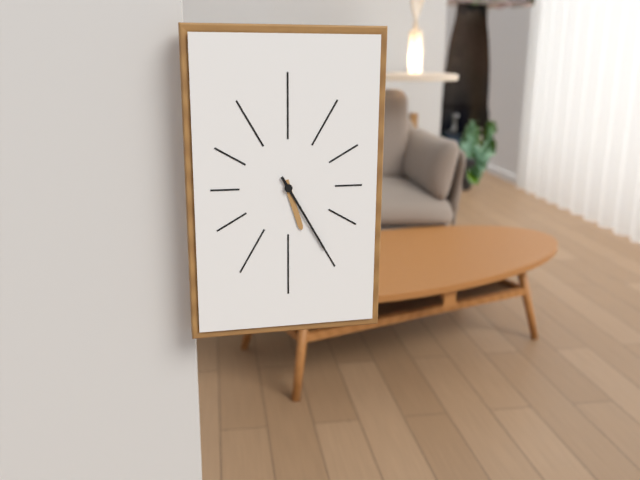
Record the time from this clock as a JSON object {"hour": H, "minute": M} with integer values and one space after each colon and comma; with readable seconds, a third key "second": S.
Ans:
{"hour": 5, "minute": 25}
